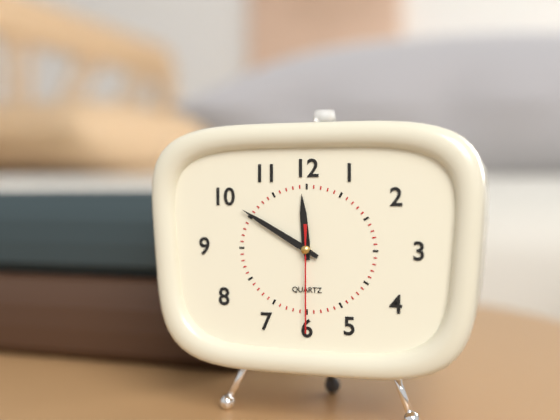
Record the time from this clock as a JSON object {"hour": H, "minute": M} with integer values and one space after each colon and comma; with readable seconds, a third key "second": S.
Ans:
{"hour": 11, "minute": 50, "second": 30}
